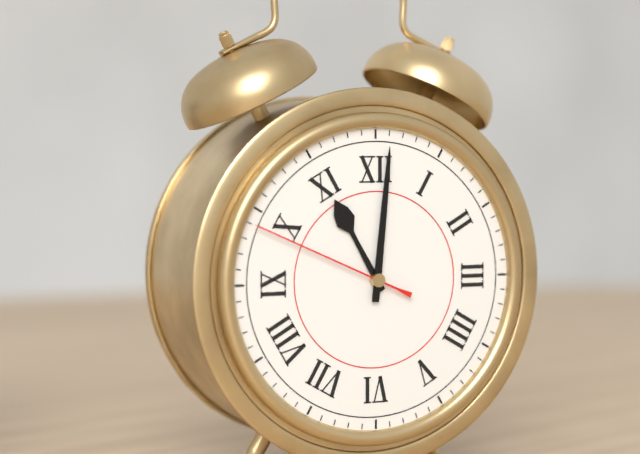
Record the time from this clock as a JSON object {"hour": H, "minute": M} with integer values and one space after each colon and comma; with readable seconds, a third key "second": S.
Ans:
{"hour": 11, "minute": 1, "second": 49}
